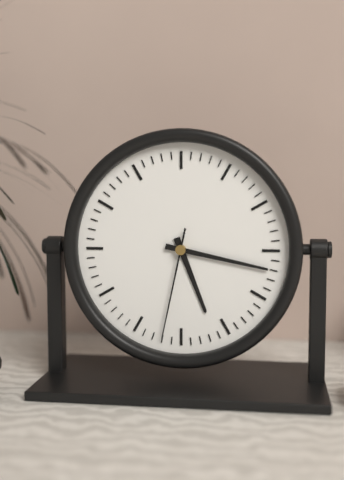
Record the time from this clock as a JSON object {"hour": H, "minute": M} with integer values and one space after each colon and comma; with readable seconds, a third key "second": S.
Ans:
{"hour": 5, "minute": 17, "second": 32}
